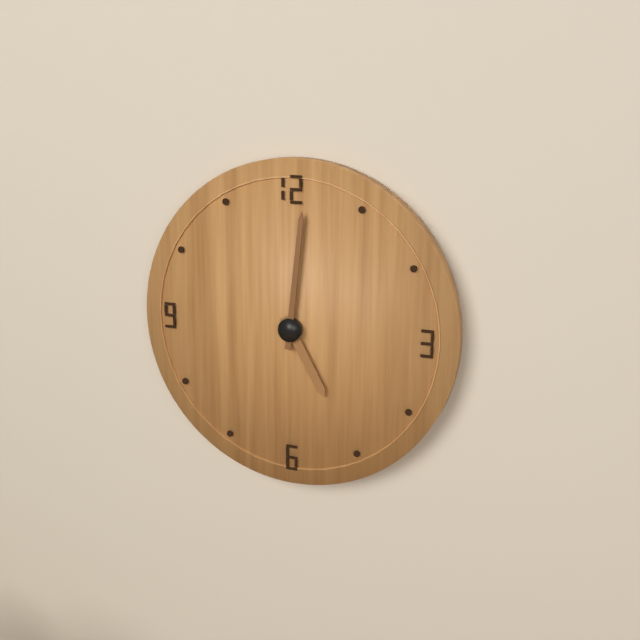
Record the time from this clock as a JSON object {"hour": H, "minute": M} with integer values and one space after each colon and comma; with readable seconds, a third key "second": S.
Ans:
{"hour": 5, "minute": 1}
